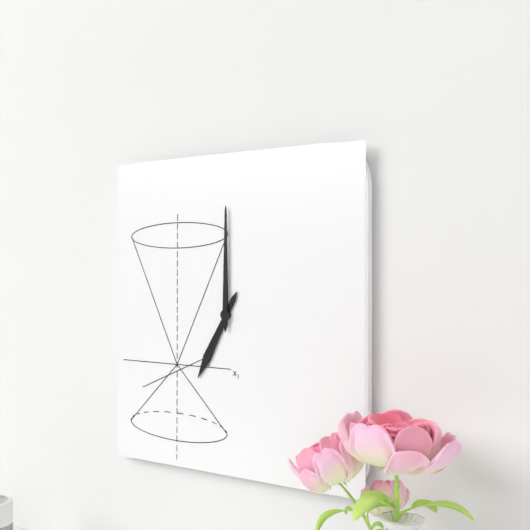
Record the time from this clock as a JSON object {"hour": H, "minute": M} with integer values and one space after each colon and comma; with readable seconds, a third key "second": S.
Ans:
{"hour": 7, "minute": 0}
